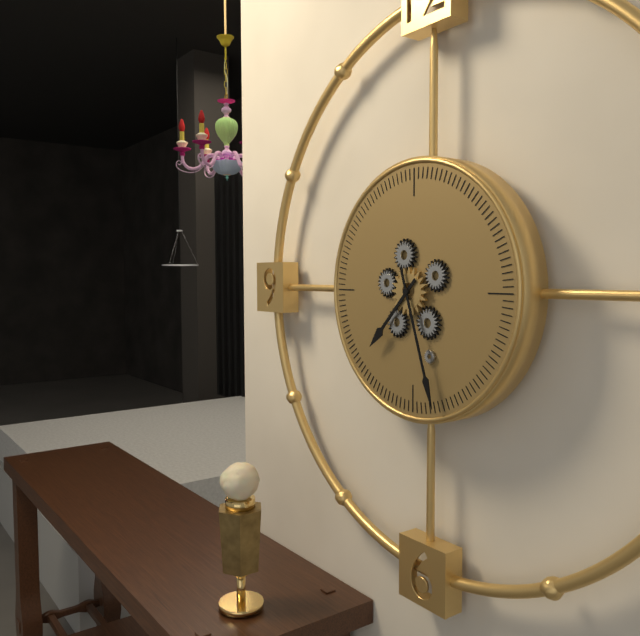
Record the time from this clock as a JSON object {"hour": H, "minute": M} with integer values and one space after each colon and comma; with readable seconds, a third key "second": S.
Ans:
{"hour": 7, "minute": 27}
